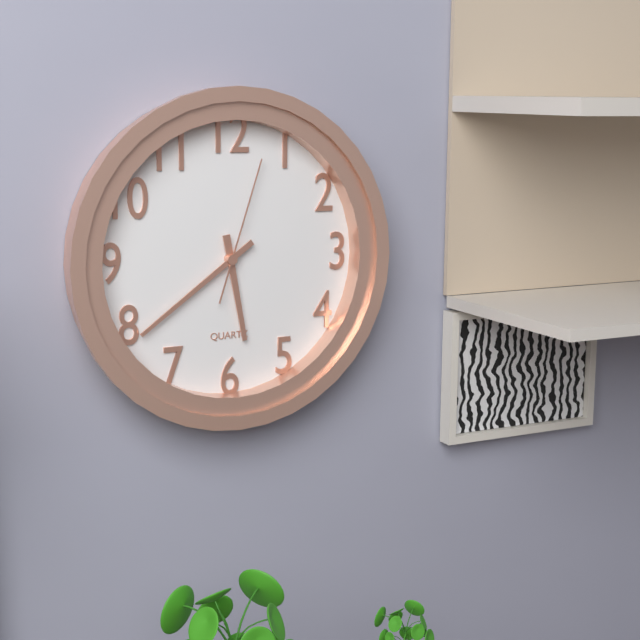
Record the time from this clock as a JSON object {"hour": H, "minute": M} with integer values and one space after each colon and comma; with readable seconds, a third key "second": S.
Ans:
{"hour": 5, "minute": 39, "second": 3}
